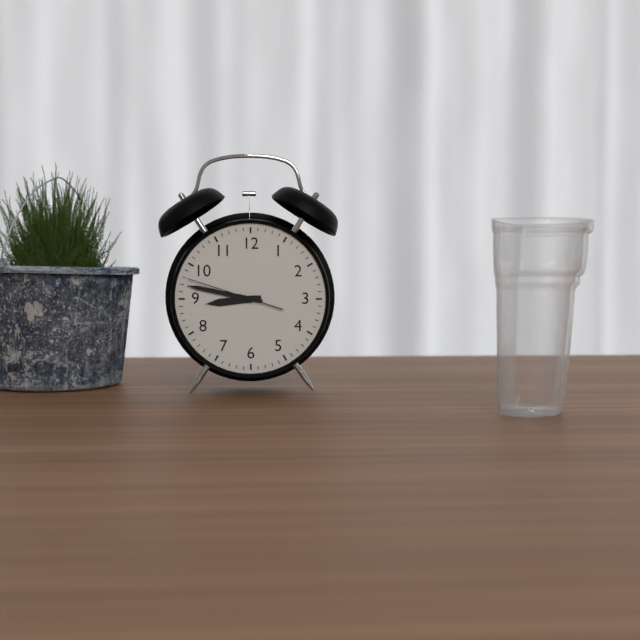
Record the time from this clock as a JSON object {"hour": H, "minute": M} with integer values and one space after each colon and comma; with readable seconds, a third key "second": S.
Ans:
{"hour": 8, "minute": 47, "second": 48}
